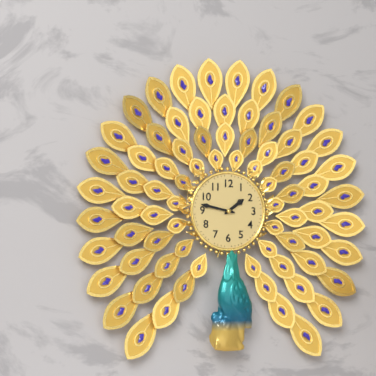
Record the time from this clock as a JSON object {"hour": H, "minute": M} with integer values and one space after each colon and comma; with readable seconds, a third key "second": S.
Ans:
{"hour": 1, "minute": 47}
